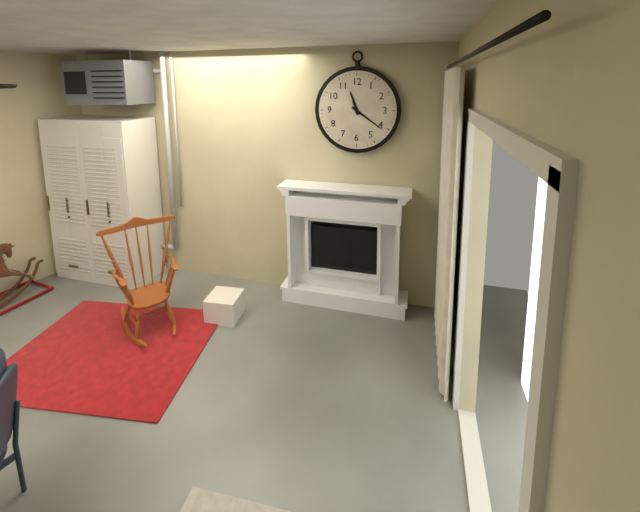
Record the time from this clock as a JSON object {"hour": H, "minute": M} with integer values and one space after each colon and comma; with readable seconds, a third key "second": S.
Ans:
{"hour": 11, "minute": 21}
